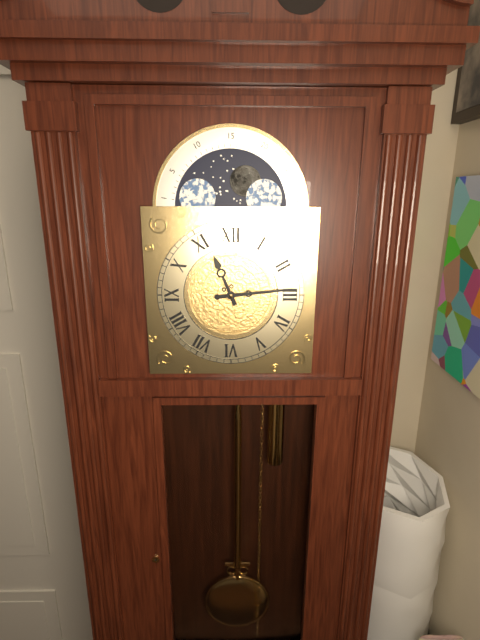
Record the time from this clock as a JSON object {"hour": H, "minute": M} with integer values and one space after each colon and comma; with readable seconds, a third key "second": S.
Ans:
{"hour": 11, "minute": 14}
